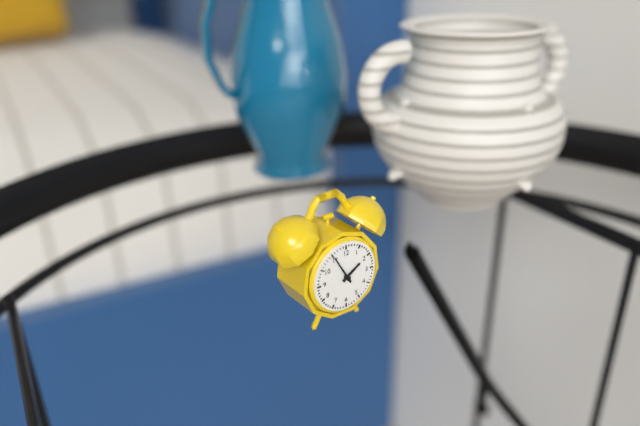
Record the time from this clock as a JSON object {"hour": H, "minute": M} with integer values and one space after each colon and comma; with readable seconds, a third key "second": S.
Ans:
{"hour": 1, "minute": 55}
